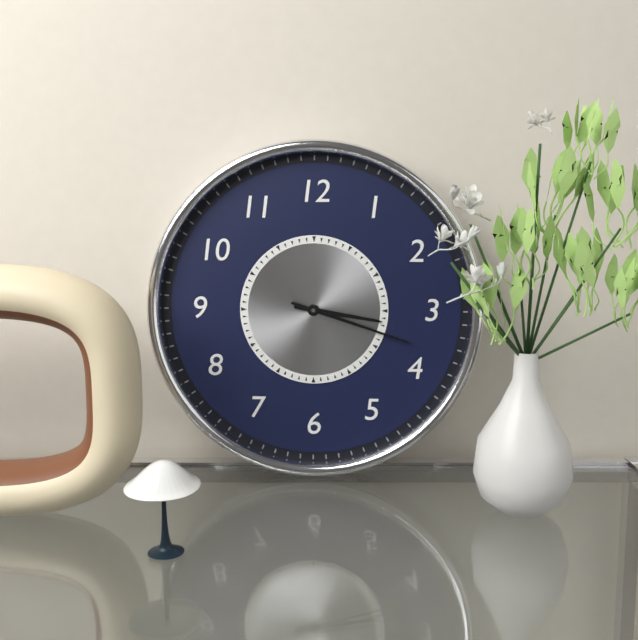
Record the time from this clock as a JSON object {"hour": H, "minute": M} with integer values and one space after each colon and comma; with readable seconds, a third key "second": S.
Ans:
{"hour": 3, "minute": 18}
